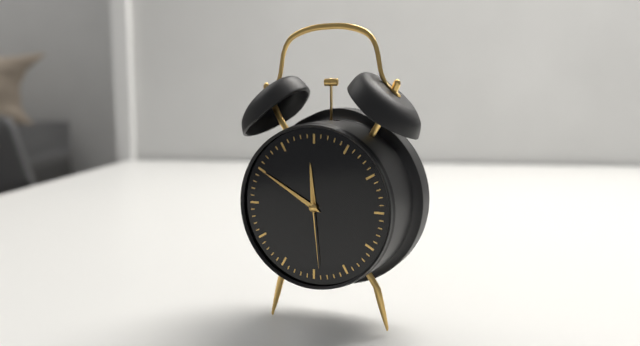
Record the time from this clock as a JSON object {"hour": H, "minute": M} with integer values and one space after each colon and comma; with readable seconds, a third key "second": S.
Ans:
{"hour": 11, "minute": 50, "second": 29}
